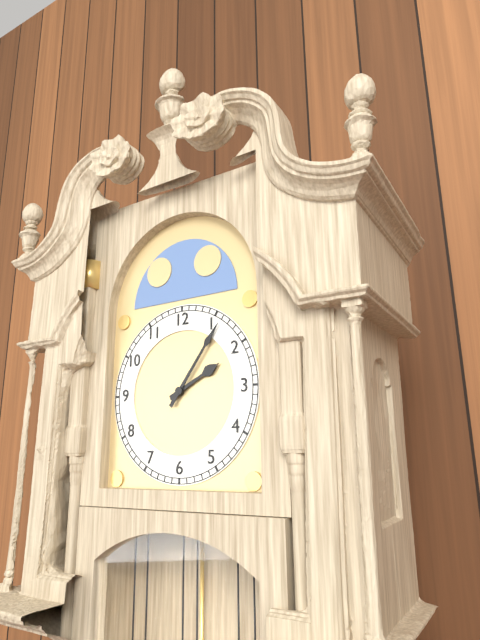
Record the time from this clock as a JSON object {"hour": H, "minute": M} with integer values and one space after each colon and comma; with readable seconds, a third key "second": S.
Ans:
{"hour": 2, "minute": 6}
